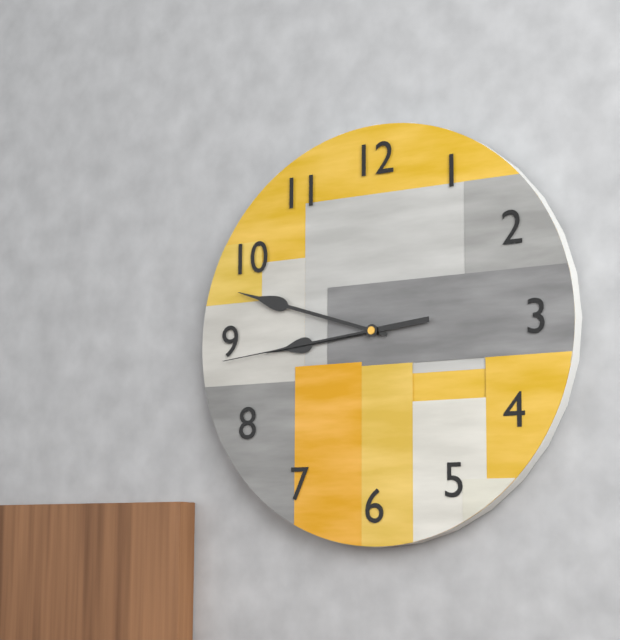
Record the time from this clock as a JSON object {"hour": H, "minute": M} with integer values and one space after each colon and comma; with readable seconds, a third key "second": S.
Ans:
{"hour": 8, "minute": 48, "second": 44}
